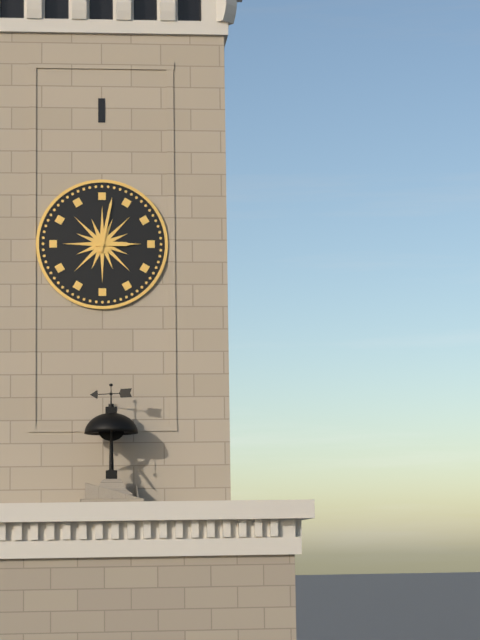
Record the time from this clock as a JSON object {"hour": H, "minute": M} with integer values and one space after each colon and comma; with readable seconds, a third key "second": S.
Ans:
{"hour": 3, "minute": 2}
